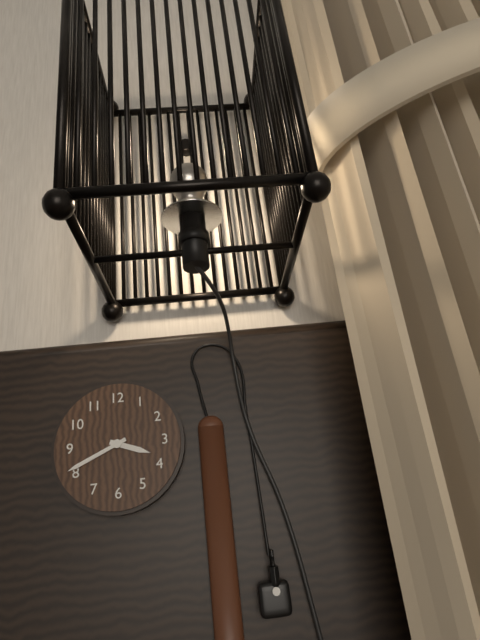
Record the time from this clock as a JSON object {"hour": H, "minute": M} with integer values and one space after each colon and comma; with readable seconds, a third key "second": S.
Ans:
{"hour": 3, "minute": 41}
